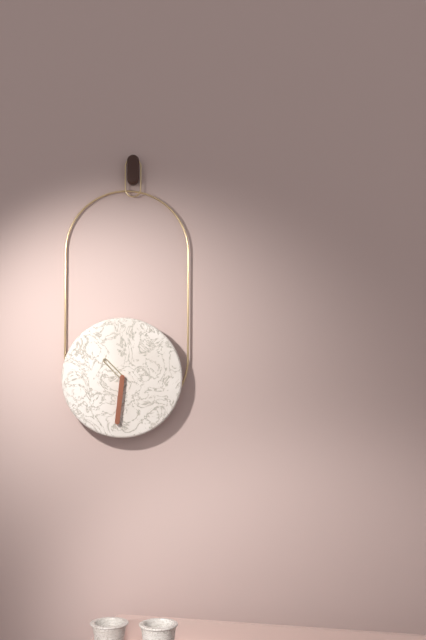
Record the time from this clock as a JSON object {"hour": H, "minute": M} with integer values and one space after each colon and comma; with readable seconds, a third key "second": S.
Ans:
{"hour": 10, "minute": 31}
